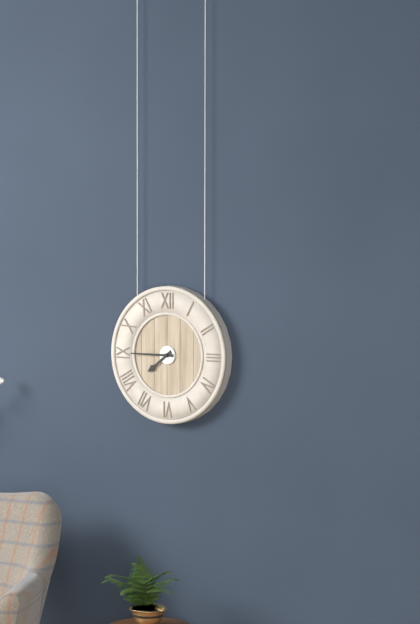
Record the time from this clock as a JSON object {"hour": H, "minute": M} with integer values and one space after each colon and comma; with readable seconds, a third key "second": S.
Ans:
{"hour": 7, "minute": 45}
